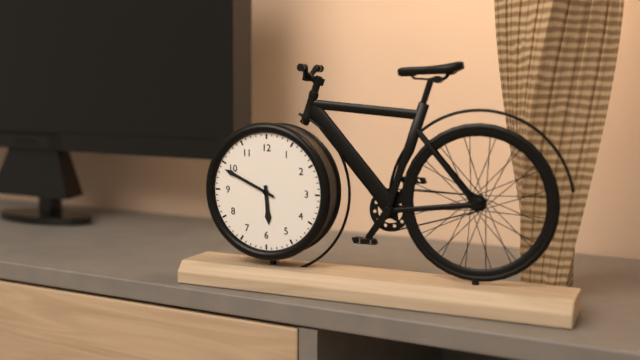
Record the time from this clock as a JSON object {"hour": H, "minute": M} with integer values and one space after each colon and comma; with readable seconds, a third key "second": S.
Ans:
{"hour": 5, "minute": 49}
